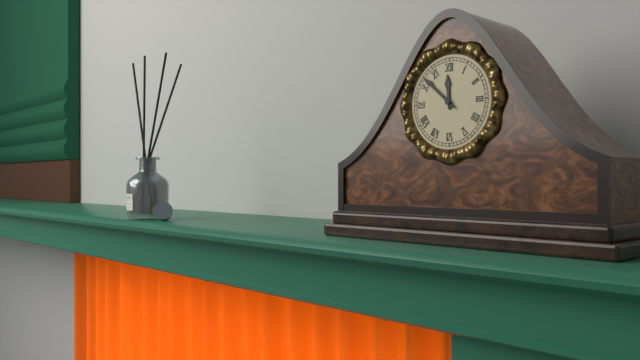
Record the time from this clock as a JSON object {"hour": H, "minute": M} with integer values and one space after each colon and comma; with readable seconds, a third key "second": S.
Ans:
{"hour": 11, "minute": 52}
